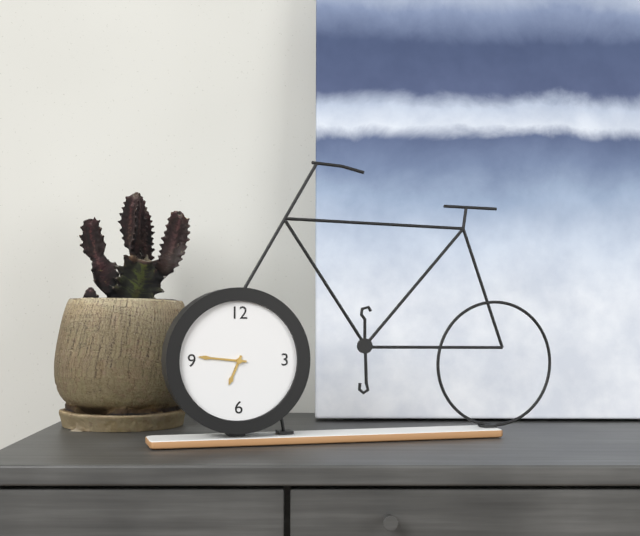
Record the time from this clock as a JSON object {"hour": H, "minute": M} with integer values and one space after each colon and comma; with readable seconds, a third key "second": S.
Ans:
{"hour": 6, "minute": 46}
